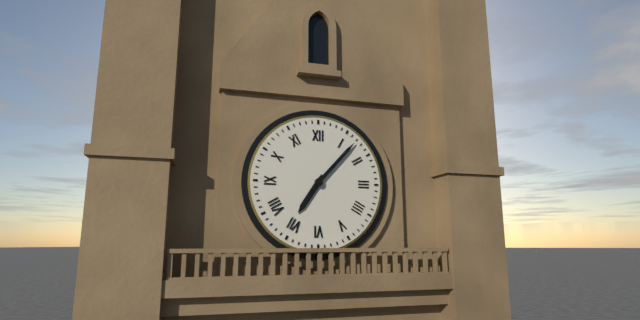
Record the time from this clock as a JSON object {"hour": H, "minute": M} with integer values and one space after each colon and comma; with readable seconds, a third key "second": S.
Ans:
{"hour": 7, "minute": 7}
